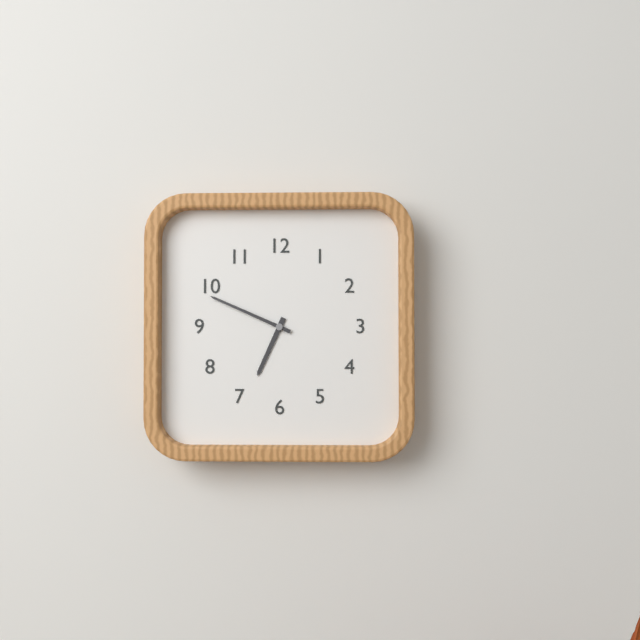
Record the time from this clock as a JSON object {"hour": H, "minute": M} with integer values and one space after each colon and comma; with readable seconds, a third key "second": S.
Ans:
{"hour": 6, "minute": 49}
